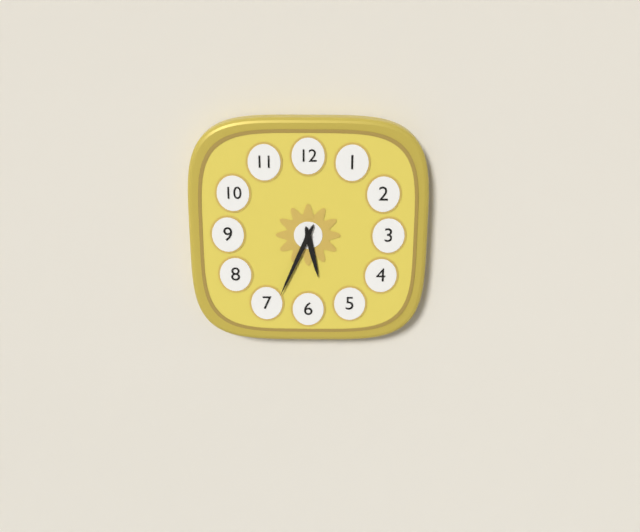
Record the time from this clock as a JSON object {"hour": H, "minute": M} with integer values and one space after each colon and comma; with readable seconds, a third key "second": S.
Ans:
{"hour": 5, "minute": 34}
